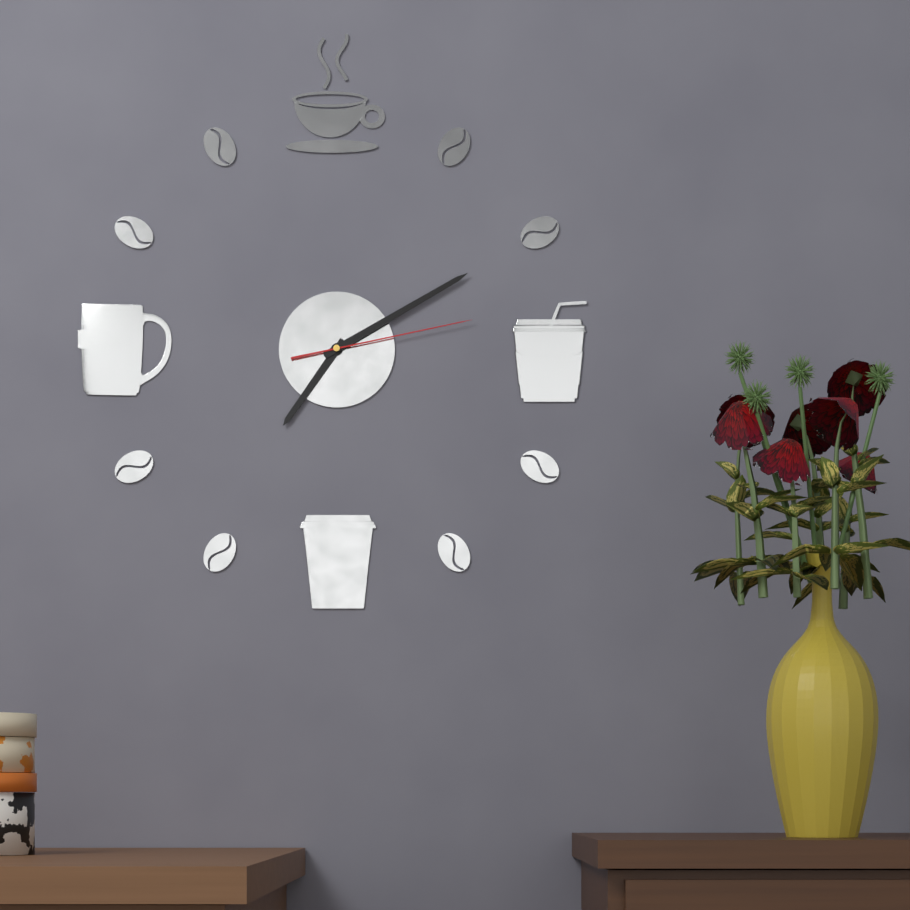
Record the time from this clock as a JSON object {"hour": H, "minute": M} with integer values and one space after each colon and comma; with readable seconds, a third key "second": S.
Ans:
{"hour": 7, "minute": 10, "second": 13}
